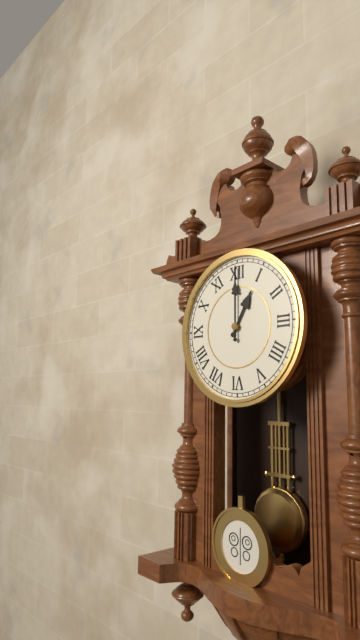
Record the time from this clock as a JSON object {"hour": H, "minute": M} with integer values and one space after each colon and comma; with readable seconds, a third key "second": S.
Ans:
{"hour": 1, "minute": 0}
